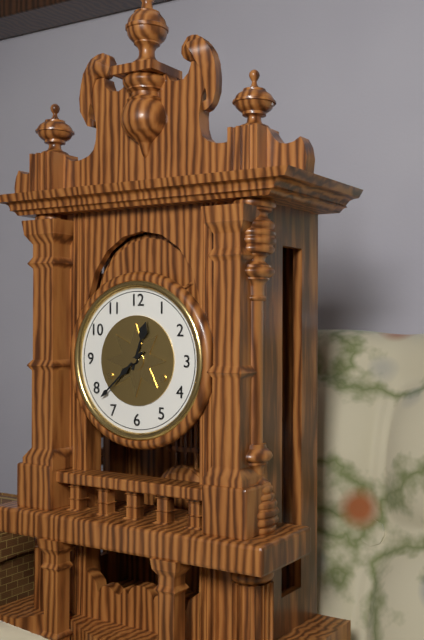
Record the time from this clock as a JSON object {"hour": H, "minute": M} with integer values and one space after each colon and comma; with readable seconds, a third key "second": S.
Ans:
{"hour": 12, "minute": 38}
